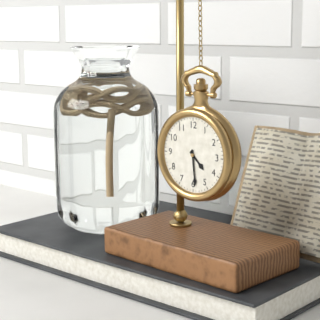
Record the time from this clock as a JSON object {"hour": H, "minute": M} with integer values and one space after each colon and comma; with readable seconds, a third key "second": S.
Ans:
{"hour": 4, "minute": 29}
